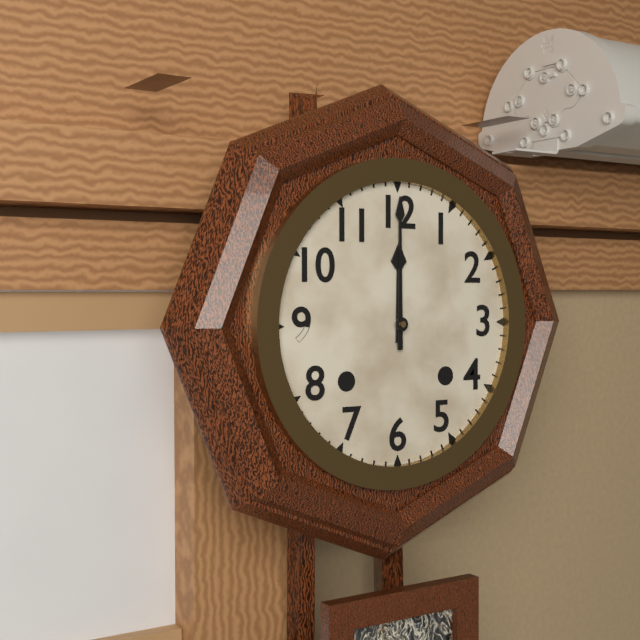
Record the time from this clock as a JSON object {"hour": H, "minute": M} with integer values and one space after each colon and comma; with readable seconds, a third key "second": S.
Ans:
{"hour": 12, "minute": 0}
